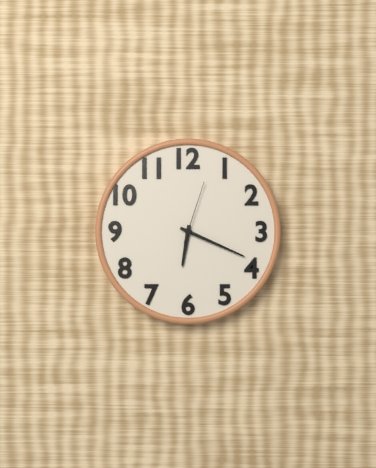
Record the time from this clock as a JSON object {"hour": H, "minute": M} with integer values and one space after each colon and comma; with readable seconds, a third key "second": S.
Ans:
{"hour": 6, "minute": 19, "second": 3}
